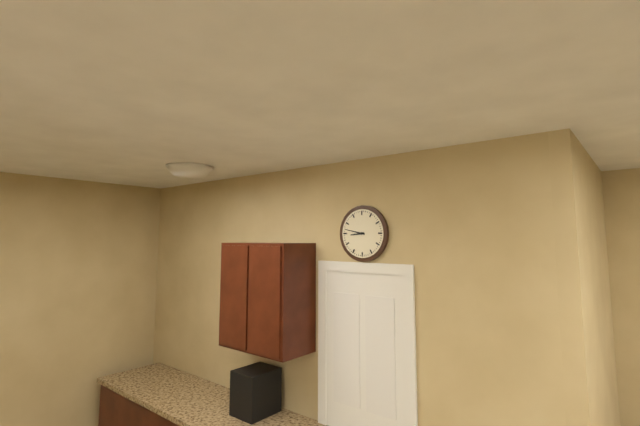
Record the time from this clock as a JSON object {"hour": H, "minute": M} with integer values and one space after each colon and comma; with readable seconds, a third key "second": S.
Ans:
{"hour": 8, "minute": 47}
